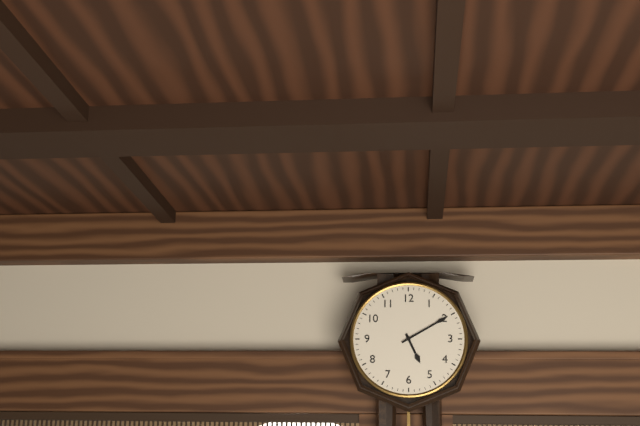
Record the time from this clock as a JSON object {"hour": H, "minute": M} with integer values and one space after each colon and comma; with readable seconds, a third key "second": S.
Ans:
{"hour": 5, "minute": 10}
